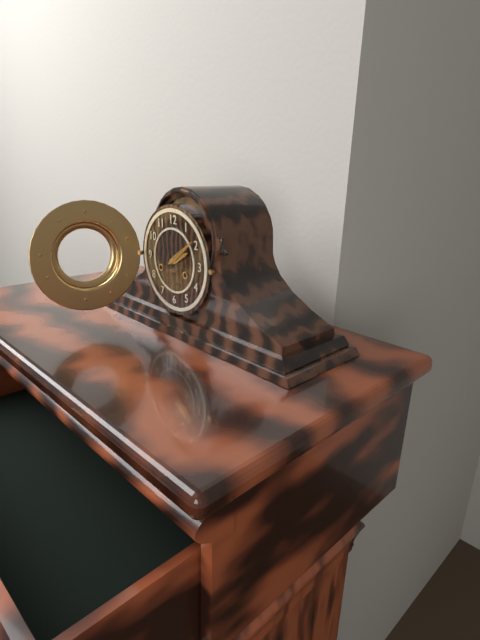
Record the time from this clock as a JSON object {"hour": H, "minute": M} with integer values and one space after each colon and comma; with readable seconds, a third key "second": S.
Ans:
{"hour": 2, "minute": 9}
